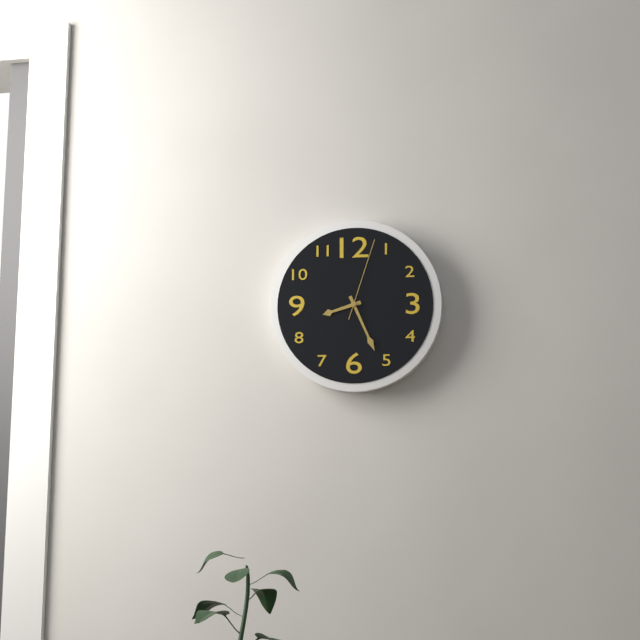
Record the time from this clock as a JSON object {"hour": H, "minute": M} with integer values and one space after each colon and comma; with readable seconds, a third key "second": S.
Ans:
{"hour": 8, "minute": 26, "second": 3}
